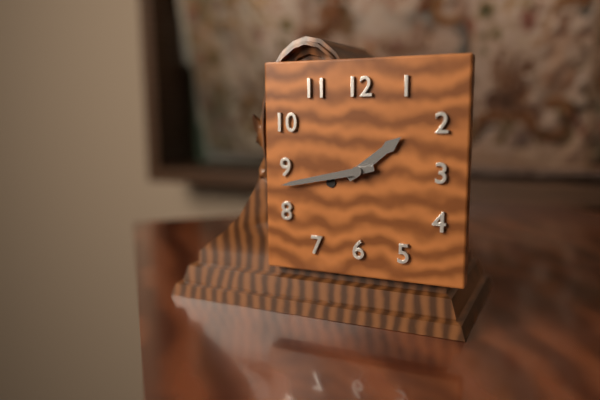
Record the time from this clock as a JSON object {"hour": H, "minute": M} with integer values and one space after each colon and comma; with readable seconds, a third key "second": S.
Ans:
{"hour": 1, "minute": 43}
